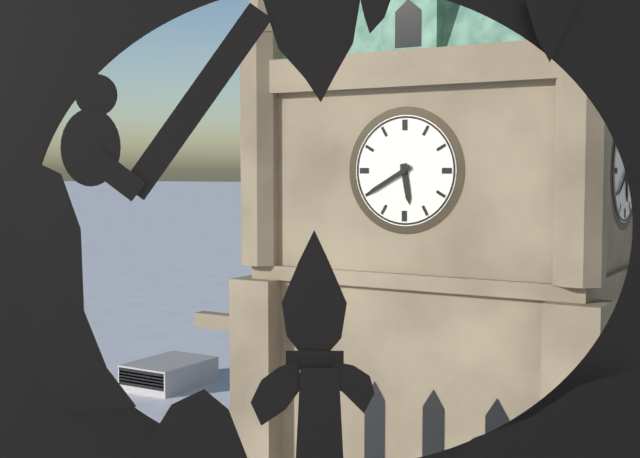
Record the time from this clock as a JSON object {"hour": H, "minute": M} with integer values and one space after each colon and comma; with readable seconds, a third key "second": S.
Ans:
{"hour": 5, "minute": 40}
